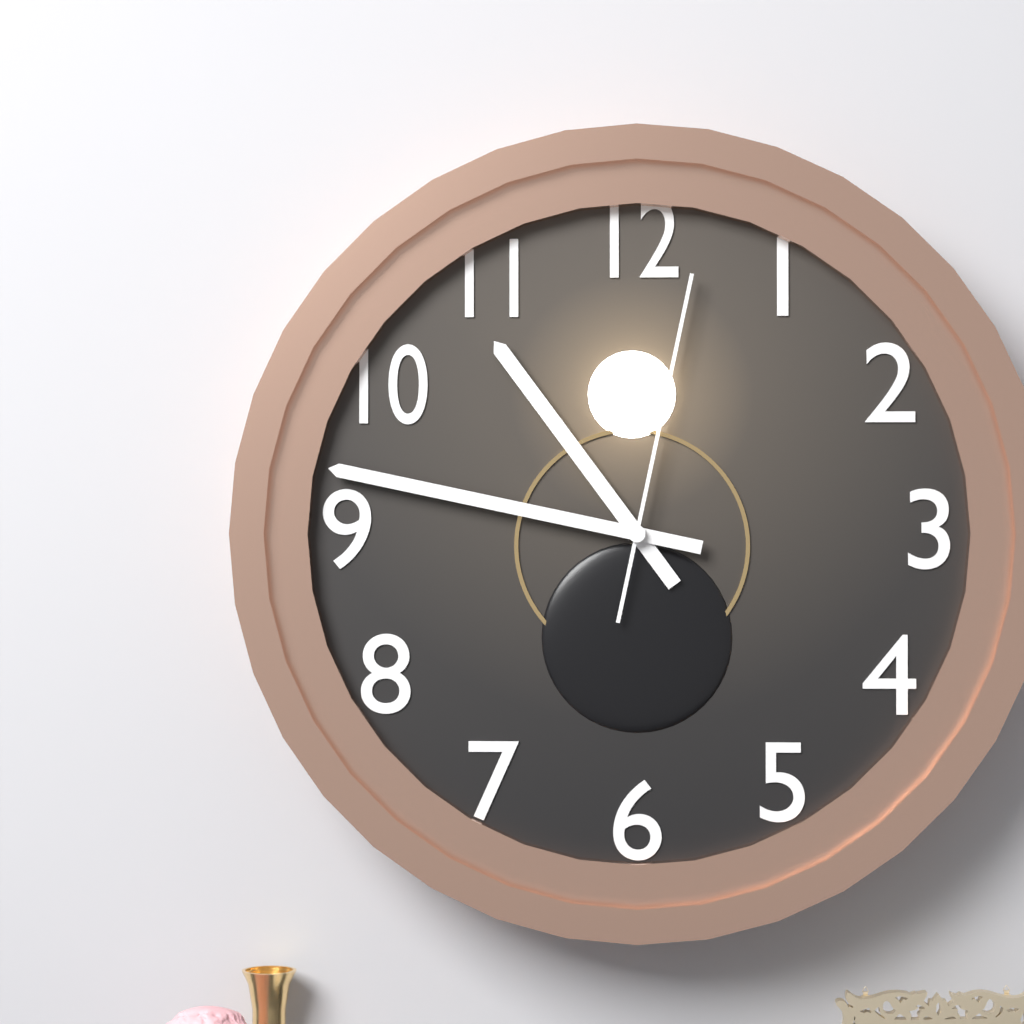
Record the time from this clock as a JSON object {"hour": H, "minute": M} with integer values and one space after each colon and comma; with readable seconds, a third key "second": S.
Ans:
{"hour": 10, "minute": 47, "second": 2}
